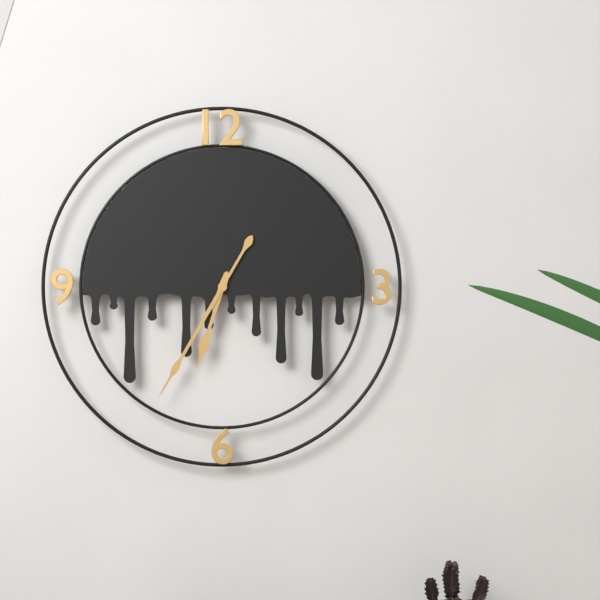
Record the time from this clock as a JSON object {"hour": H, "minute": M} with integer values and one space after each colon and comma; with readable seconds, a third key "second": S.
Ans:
{"hour": 6, "minute": 35}
